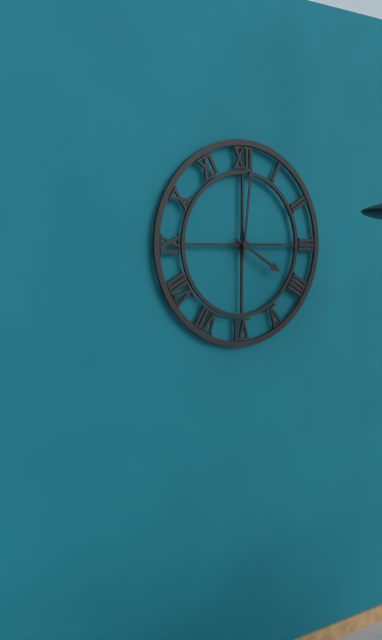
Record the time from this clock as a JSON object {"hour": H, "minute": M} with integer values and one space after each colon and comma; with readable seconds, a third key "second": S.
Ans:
{"hour": 4, "minute": 1}
